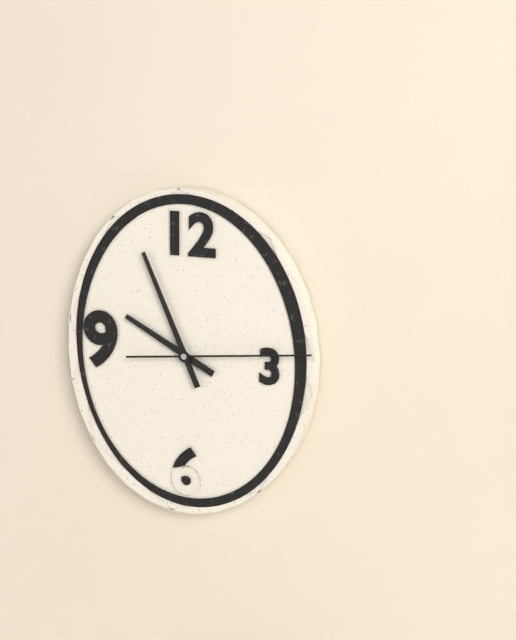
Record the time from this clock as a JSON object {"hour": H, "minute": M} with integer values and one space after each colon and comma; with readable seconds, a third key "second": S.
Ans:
{"hour": 9, "minute": 56, "second": 14}
